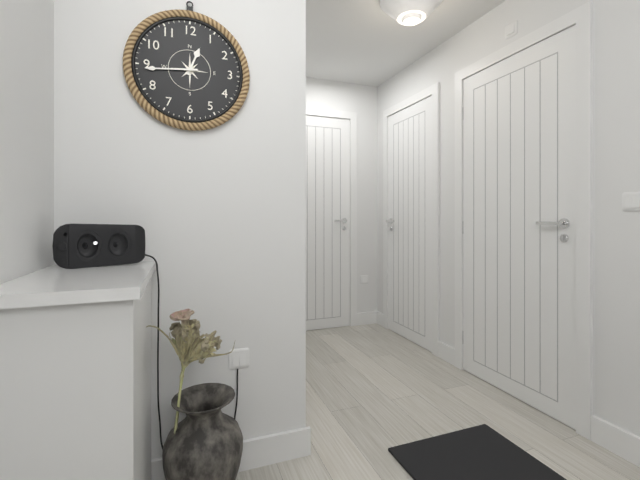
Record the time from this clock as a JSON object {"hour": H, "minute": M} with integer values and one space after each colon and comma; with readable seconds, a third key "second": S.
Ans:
{"hour": 12, "minute": 44}
